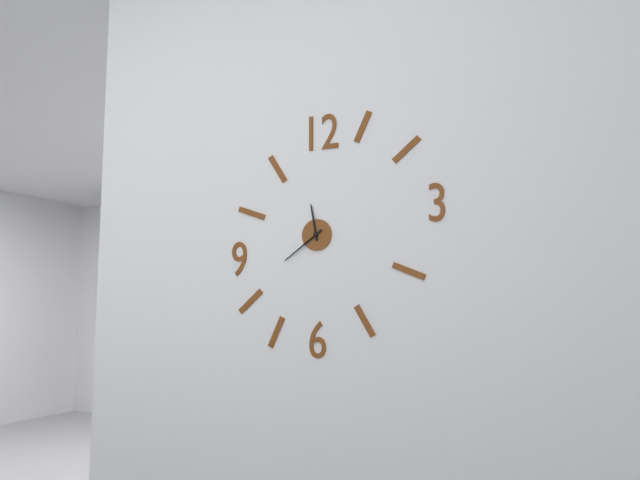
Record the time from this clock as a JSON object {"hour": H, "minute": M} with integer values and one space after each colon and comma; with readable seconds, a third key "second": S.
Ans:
{"hour": 11, "minute": 39}
